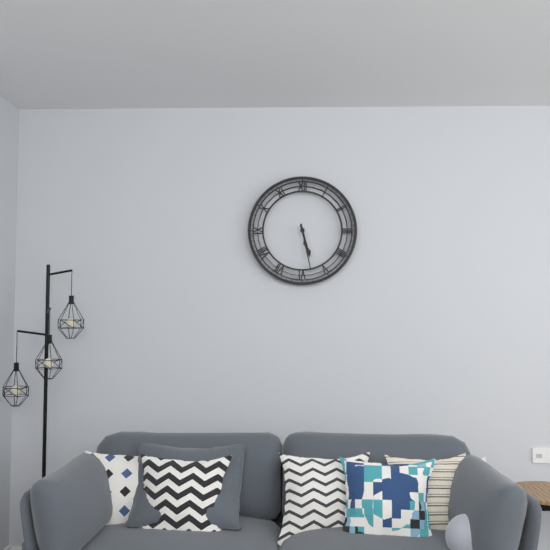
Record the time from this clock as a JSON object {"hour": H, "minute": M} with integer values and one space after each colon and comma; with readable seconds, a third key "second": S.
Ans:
{"hour": 5, "minute": 28}
